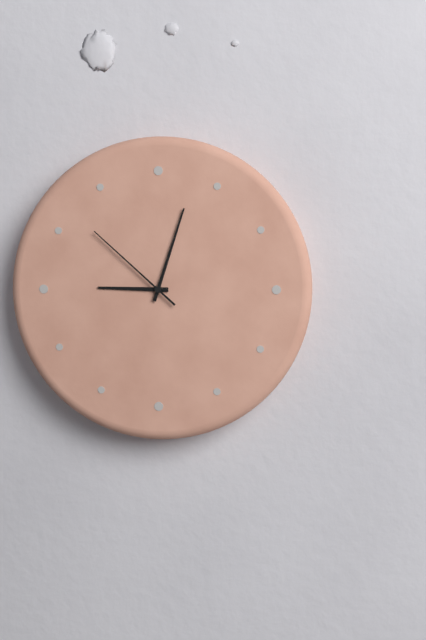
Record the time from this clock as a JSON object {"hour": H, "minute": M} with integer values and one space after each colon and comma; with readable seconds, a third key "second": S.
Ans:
{"hour": 9, "minute": 3, "second": 52}
